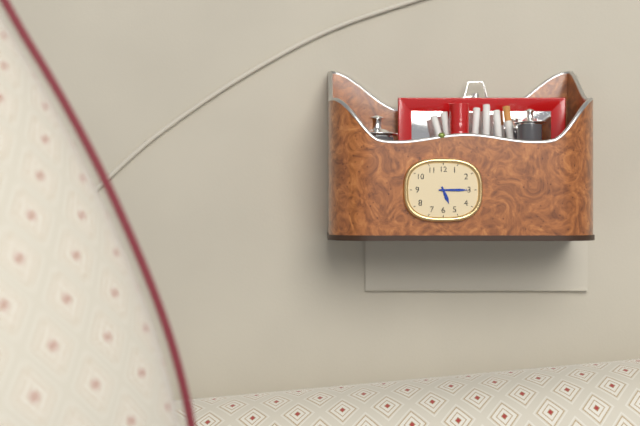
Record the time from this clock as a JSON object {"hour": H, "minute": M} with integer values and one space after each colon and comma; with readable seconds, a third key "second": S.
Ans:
{"hour": 5, "minute": 15}
